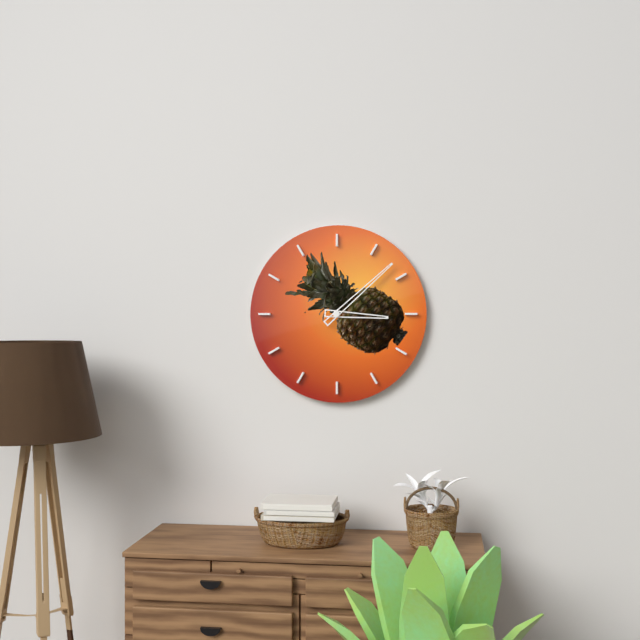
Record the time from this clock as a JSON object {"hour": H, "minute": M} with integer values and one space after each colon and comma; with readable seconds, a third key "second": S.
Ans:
{"hour": 3, "minute": 8}
